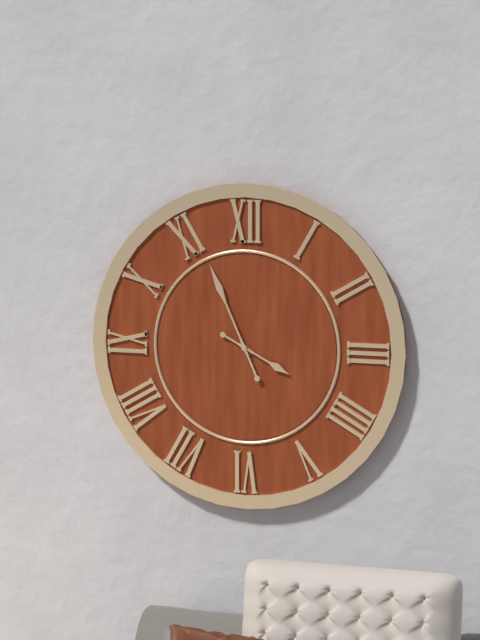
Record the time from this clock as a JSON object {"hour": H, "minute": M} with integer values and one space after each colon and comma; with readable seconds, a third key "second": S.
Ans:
{"hour": 3, "minute": 56}
